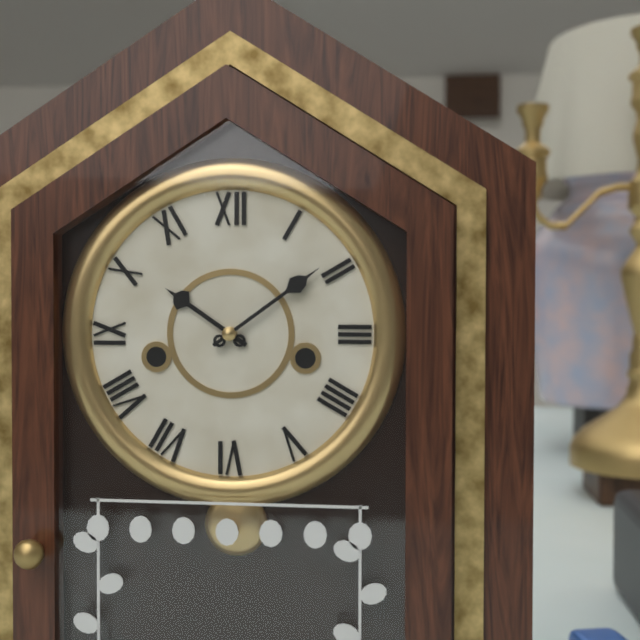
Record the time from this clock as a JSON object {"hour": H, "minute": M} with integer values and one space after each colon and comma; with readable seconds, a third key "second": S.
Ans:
{"hour": 10, "minute": 9}
